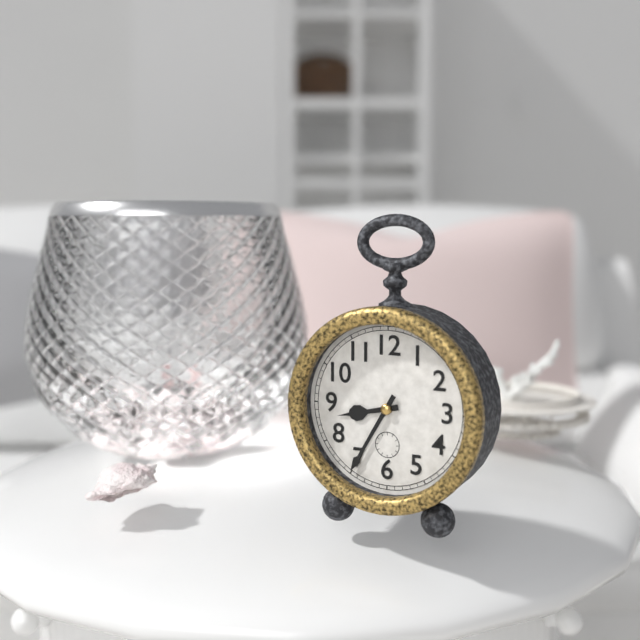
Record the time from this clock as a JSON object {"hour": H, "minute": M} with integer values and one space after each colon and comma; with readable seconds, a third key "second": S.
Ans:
{"hour": 8, "minute": 35}
